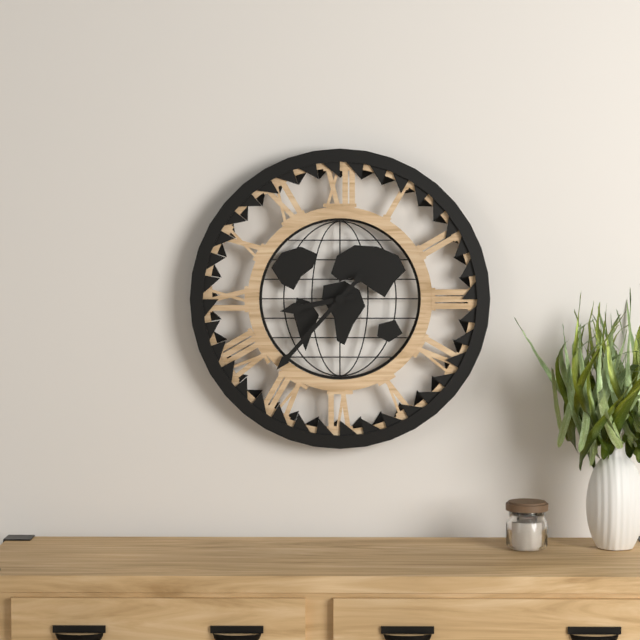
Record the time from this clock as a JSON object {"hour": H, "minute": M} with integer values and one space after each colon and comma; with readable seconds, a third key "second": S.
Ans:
{"hour": 8, "minute": 37}
